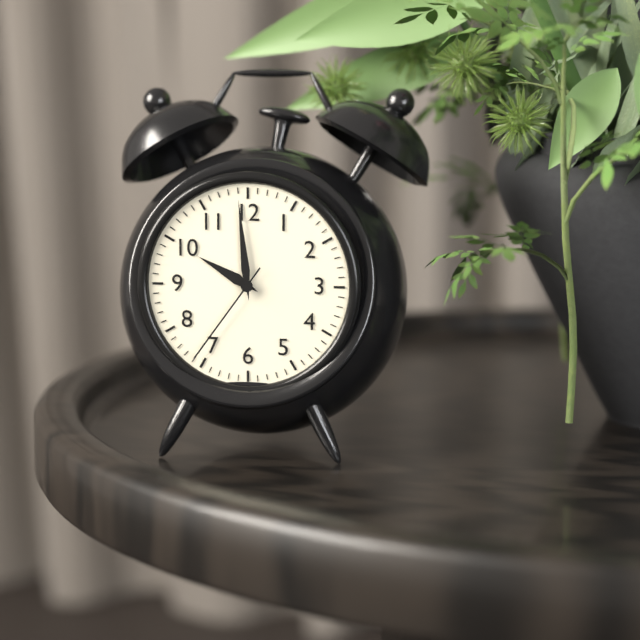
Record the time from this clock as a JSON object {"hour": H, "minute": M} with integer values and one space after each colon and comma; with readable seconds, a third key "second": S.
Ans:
{"hour": 9, "minute": 59, "second": 36}
